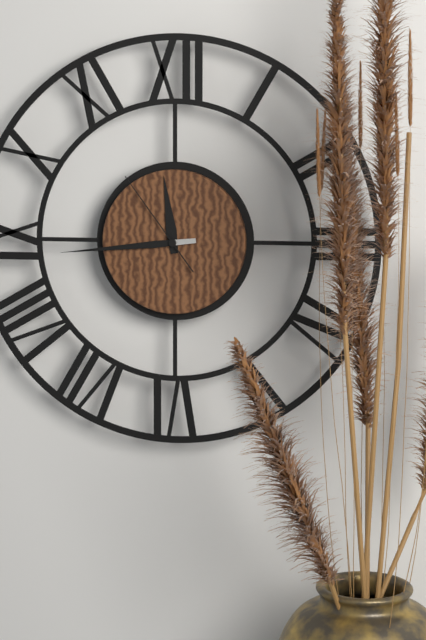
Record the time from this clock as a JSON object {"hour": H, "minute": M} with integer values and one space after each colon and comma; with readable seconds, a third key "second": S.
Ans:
{"hour": 11, "minute": 44, "second": 54}
